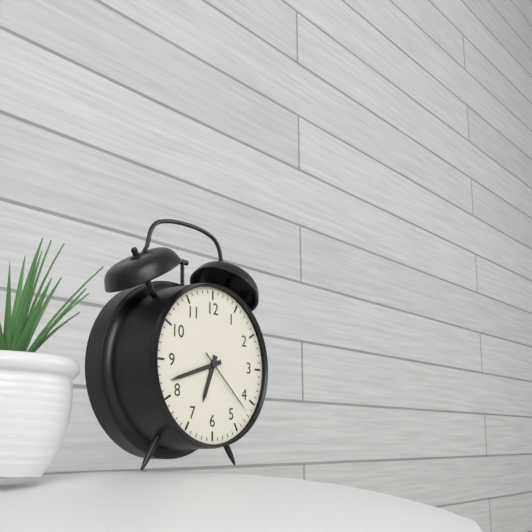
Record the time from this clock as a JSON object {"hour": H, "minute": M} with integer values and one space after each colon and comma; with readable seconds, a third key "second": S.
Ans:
{"hour": 6, "minute": 42, "second": 22}
